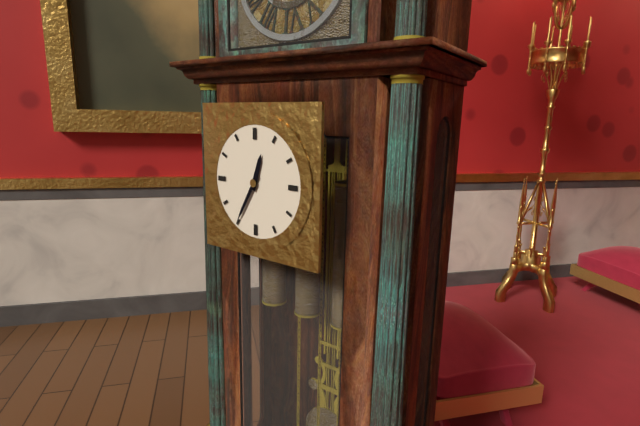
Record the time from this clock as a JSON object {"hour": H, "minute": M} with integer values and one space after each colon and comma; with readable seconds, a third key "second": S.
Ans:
{"hour": 12, "minute": 35}
